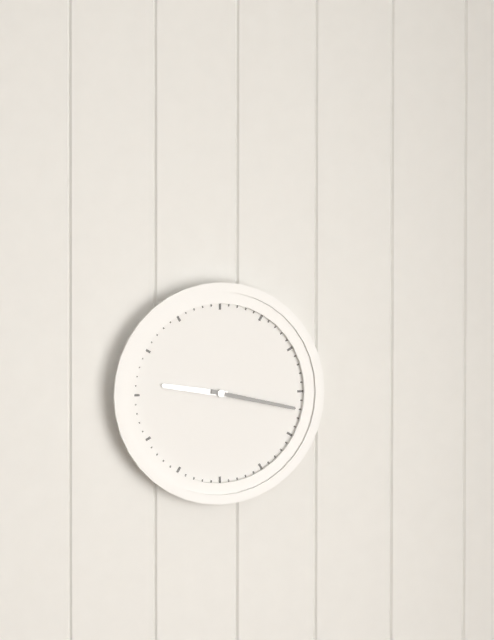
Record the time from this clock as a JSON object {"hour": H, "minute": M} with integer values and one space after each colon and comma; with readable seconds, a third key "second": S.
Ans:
{"hour": 9, "minute": 17}
